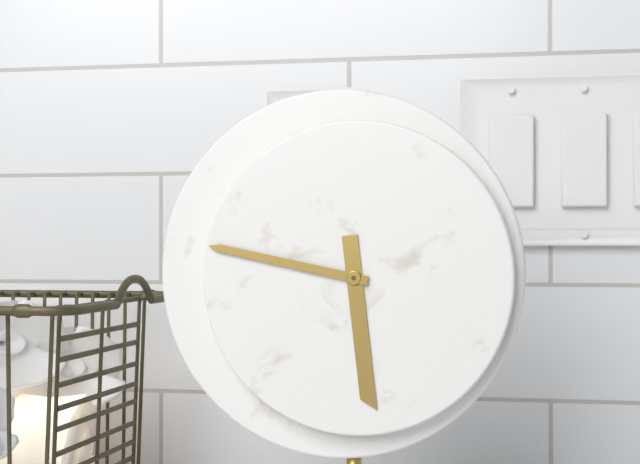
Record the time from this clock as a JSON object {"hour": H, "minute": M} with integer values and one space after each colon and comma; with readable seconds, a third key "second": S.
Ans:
{"hour": 5, "minute": 47}
